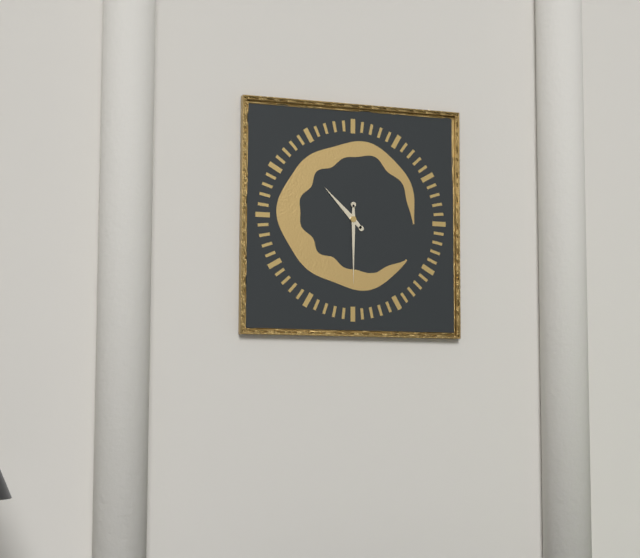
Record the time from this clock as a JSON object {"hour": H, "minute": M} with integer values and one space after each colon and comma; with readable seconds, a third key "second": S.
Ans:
{"hour": 10, "minute": 30}
